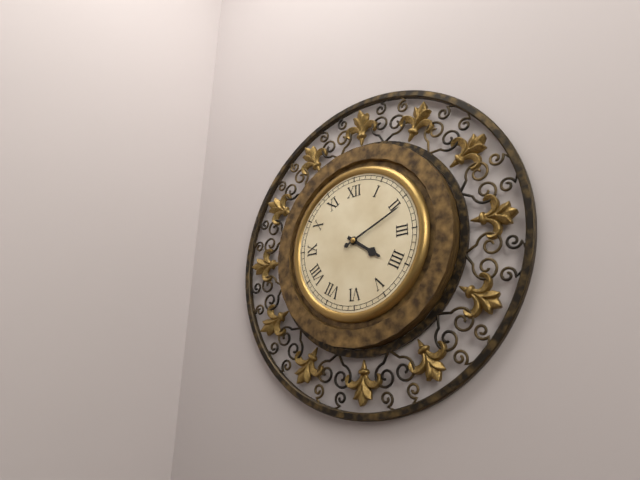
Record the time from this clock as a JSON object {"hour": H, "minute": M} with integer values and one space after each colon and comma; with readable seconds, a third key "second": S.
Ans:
{"hour": 4, "minute": 11}
